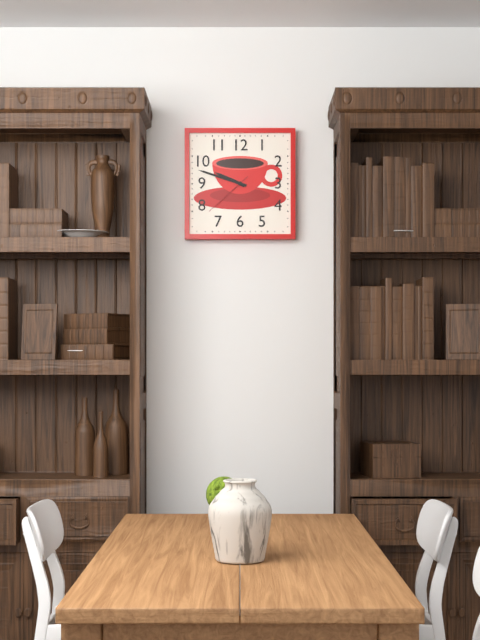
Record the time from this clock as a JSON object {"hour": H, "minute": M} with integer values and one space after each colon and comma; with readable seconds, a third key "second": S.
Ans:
{"hour": 9, "minute": 48, "second": 38}
